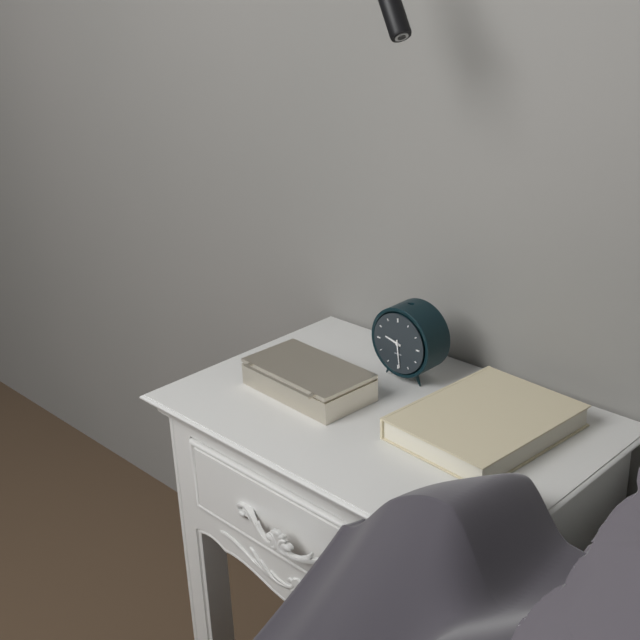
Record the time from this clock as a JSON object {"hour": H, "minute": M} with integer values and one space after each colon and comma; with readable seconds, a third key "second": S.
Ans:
{"hour": 9, "minute": 29}
